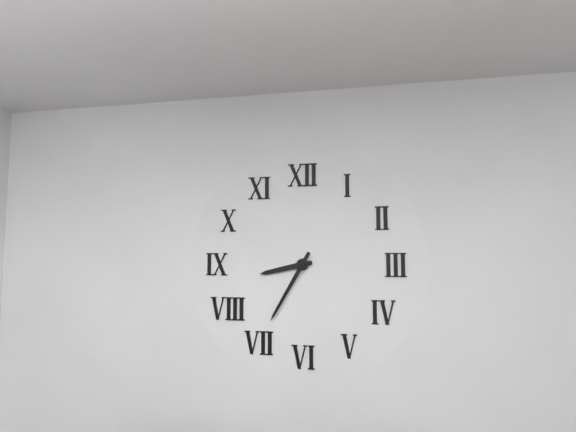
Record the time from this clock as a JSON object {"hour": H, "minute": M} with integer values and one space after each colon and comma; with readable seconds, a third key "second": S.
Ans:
{"hour": 8, "minute": 35}
